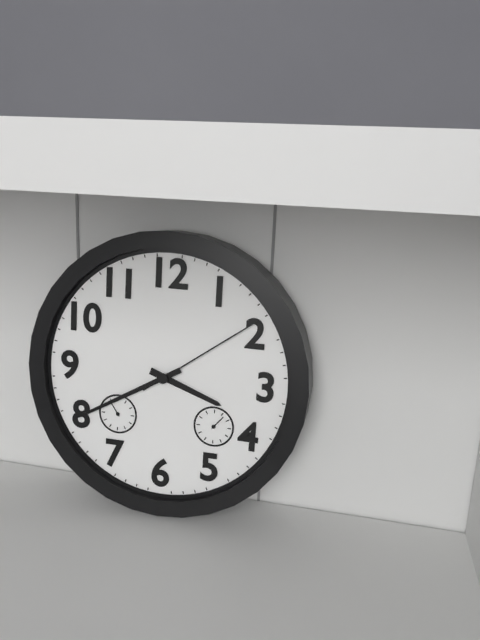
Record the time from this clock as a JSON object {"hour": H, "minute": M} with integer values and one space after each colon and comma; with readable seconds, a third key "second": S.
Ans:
{"hour": 3, "minute": 40, "second": 9}
